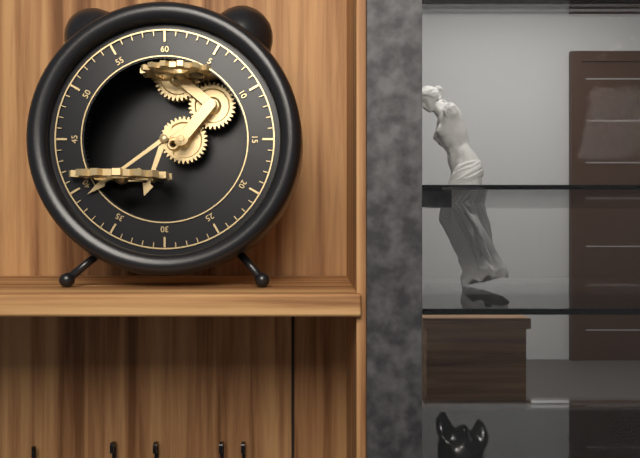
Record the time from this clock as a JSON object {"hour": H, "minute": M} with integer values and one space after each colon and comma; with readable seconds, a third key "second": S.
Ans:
{"hour": 6, "minute": 39}
